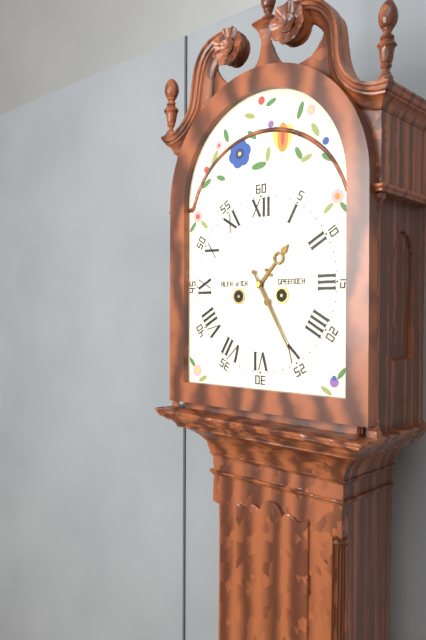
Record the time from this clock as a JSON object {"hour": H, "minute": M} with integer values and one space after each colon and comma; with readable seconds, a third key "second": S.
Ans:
{"hour": 1, "minute": 25}
